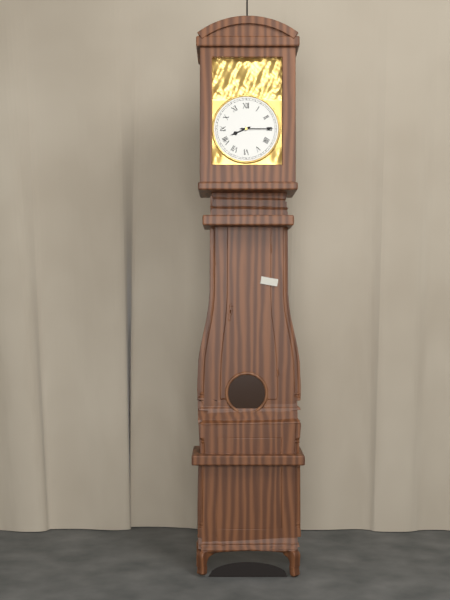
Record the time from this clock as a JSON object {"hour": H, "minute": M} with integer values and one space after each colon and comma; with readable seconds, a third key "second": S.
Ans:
{"hour": 8, "minute": 15}
